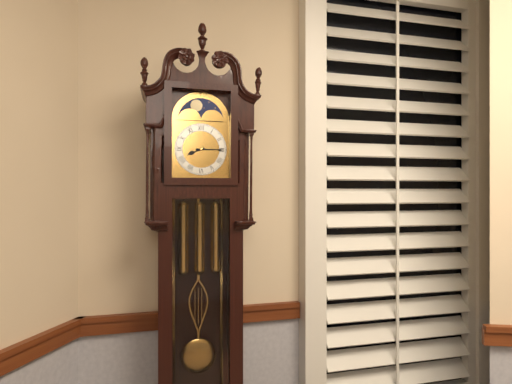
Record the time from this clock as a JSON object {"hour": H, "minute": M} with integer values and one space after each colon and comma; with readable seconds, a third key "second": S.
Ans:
{"hour": 8, "minute": 15}
